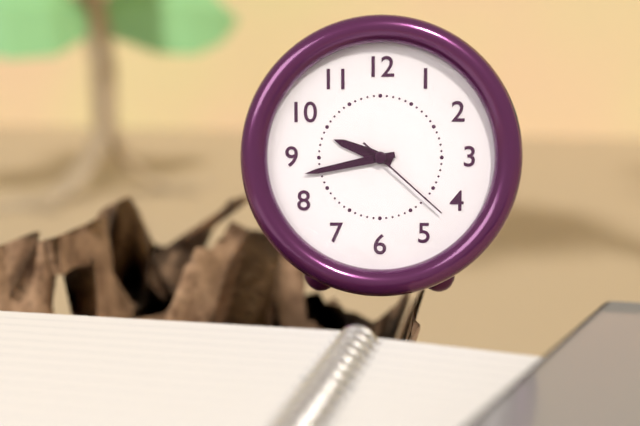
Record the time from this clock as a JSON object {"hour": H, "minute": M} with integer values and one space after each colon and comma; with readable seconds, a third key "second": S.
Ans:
{"hour": 9, "minute": 43, "second": 22}
